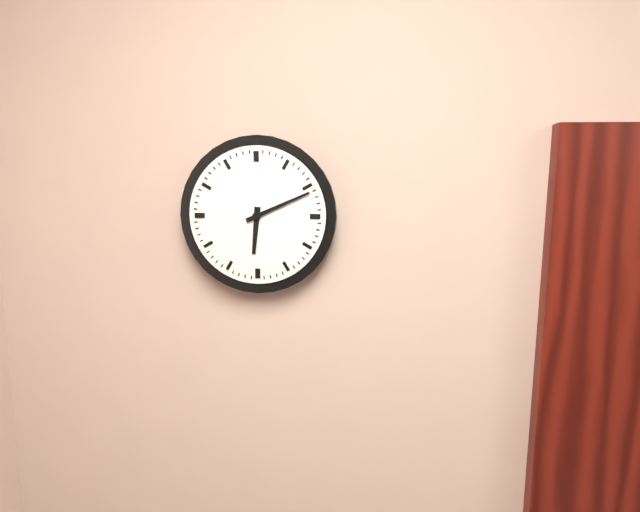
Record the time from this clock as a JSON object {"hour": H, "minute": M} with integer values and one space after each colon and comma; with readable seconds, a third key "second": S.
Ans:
{"hour": 6, "minute": 11}
